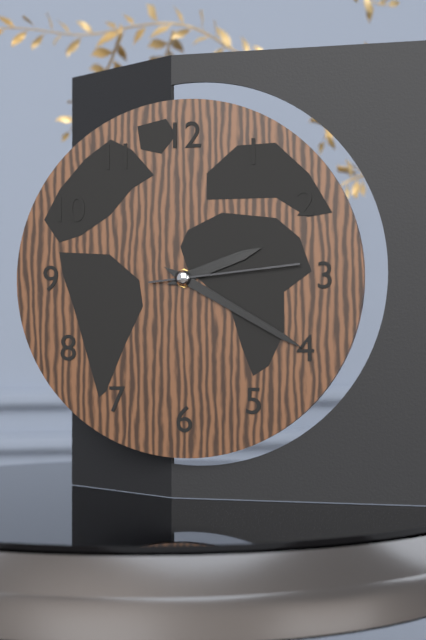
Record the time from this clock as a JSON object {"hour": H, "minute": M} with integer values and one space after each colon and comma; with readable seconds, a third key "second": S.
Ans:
{"hour": 2, "minute": 20, "second": 14}
